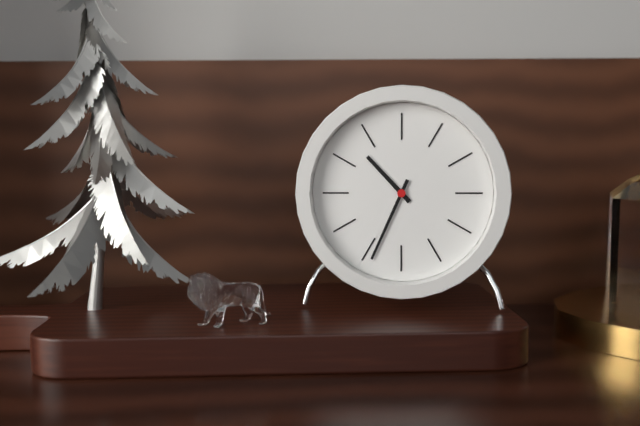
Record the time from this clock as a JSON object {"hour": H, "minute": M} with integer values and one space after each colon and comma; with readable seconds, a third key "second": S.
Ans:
{"hour": 10, "minute": 34}
